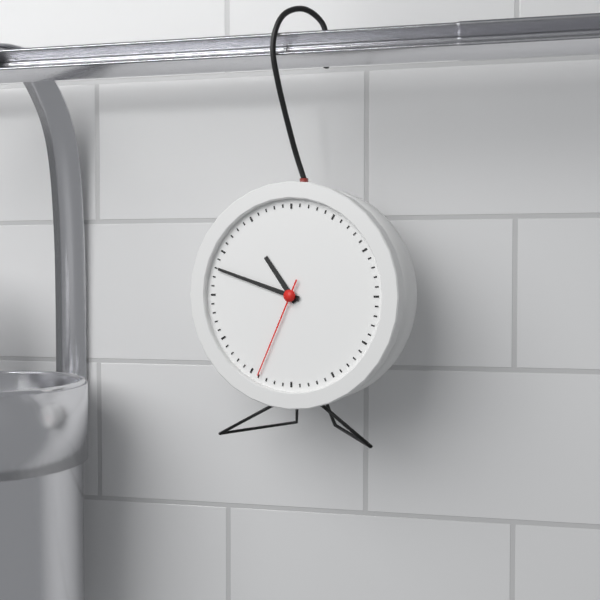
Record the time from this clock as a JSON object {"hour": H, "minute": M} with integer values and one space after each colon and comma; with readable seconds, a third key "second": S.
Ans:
{"hour": 10, "minute": 48, "second": 34}
